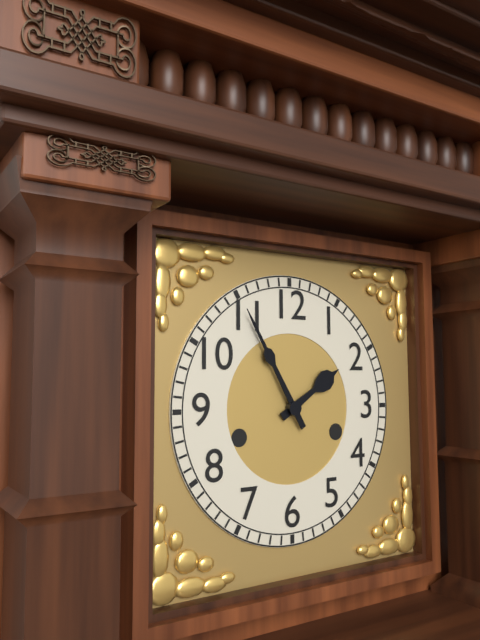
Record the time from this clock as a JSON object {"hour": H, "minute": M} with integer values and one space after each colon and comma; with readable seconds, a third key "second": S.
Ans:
{"hour": 1, "minute": 55}
